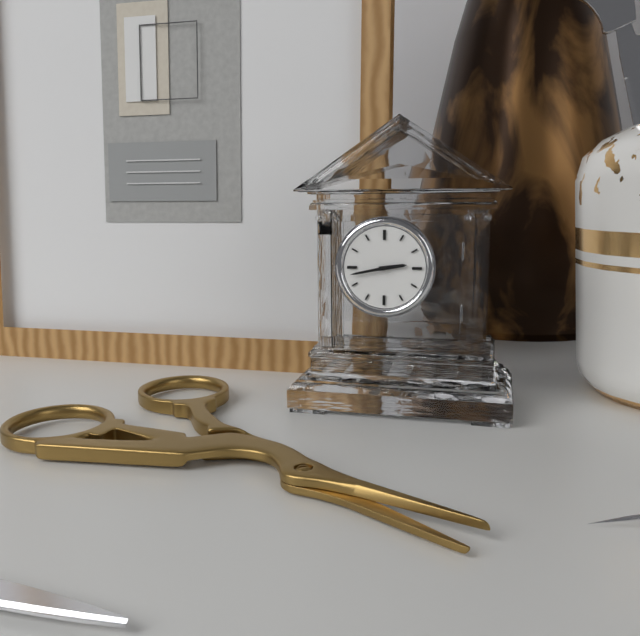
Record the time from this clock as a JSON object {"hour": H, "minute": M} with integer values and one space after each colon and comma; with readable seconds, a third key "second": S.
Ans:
{"hour": 2, "minute": 43}
